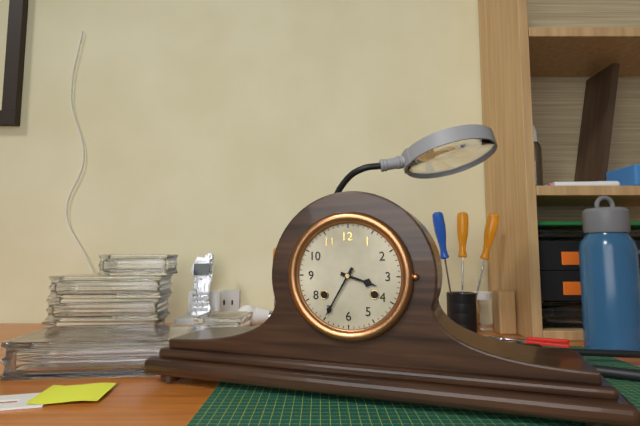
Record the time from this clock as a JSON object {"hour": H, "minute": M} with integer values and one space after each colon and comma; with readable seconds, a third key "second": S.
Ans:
{"hour": 3, "minute": 35}
